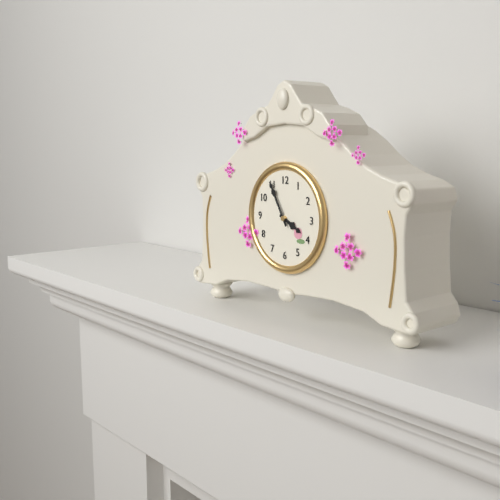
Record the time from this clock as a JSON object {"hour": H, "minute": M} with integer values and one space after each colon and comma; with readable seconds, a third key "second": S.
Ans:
{"hour": 3, "minute": 55}
